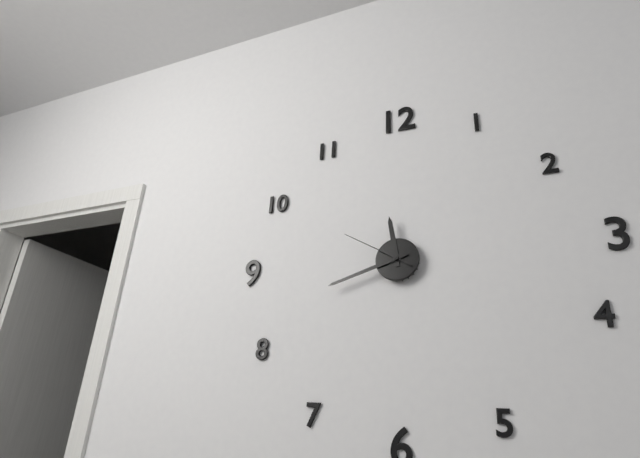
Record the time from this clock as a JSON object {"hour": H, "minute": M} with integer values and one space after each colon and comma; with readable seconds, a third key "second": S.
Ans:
{"hour": 11, "minute": 42, "second": 50}
